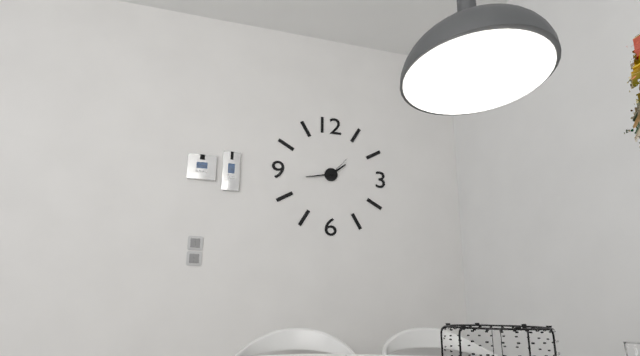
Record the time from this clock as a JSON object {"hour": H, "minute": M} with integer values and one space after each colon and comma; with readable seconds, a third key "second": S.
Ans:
{"hour": 1, "minute": 43}
